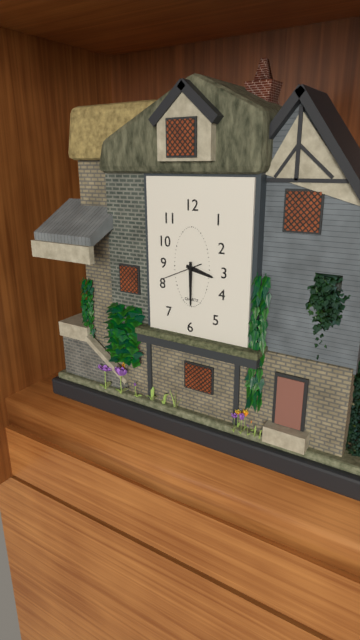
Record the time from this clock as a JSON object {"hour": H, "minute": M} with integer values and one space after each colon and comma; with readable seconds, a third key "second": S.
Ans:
{"hour": 3, "minute": 30}
